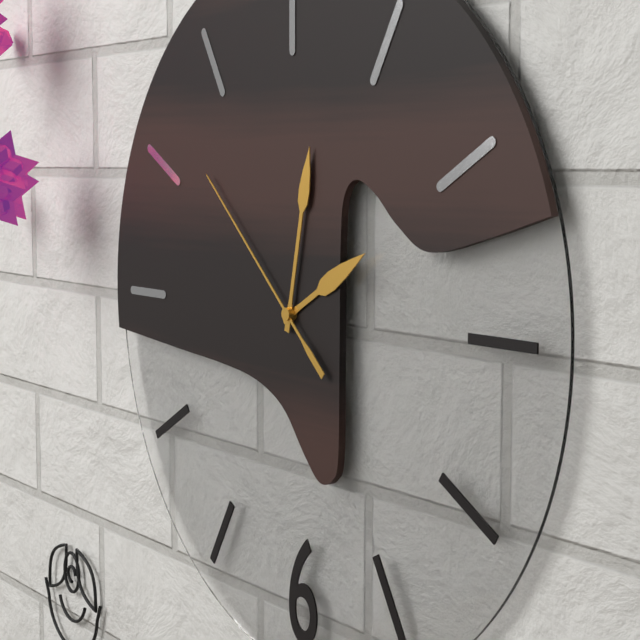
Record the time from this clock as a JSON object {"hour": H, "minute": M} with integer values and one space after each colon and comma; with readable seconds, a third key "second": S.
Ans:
{"hour": 2, "minute": 2, "second": 52}
